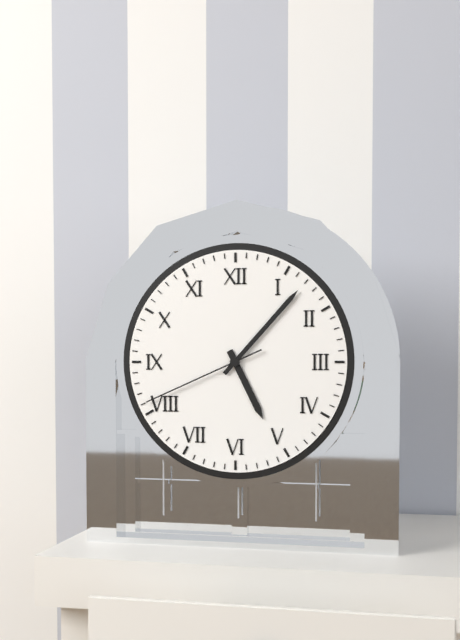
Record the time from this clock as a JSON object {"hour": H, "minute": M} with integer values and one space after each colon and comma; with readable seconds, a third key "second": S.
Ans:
{"hour": 5, "minute": 7, "second": 41}
